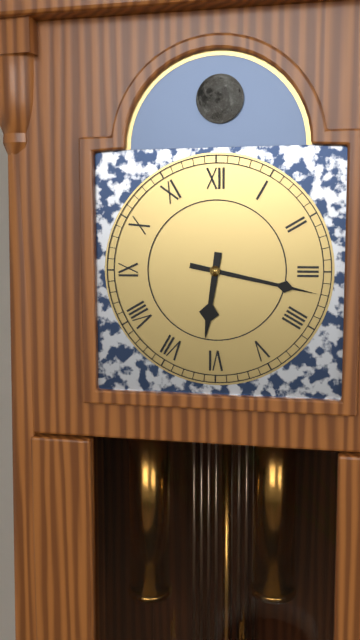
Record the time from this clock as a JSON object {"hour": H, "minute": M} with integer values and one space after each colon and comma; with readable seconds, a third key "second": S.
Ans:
{"hour": 6, "minute": 17}
